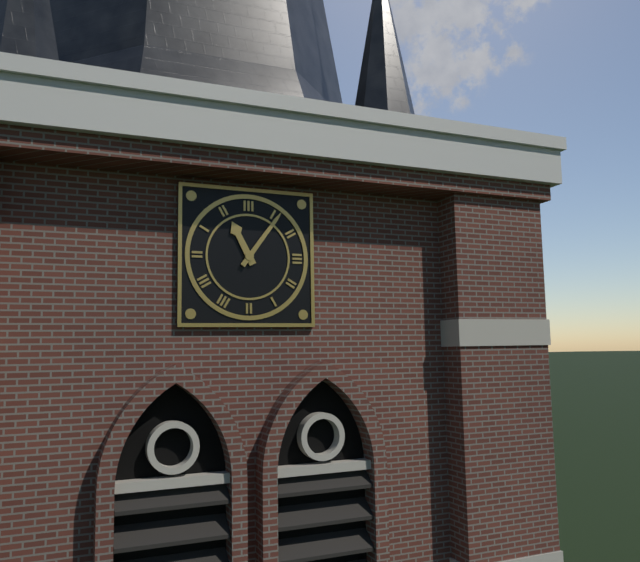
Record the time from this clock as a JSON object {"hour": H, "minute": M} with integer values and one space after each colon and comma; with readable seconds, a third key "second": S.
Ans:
{"hour": 11, "minute": 6}
